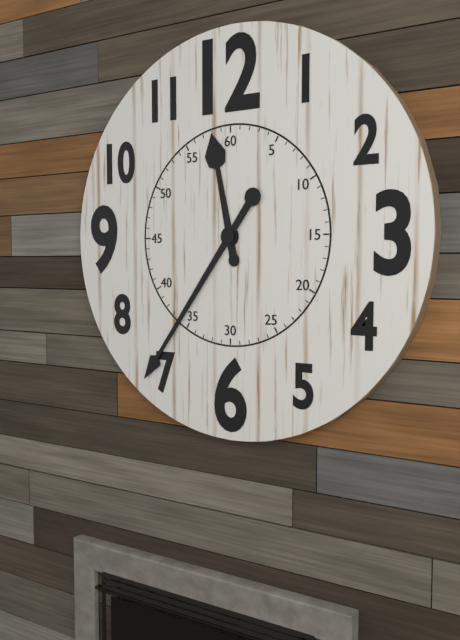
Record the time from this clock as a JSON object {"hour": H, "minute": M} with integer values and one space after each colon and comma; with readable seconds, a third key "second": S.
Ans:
{"hour": 11, "minute": 36}
